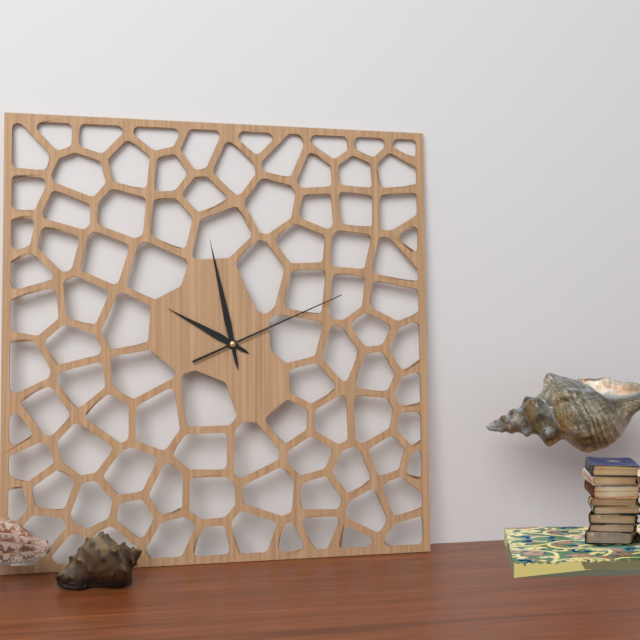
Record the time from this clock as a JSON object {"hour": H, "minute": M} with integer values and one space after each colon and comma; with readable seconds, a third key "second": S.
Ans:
{"hour": 9, "minute": 58, "second": 11}
